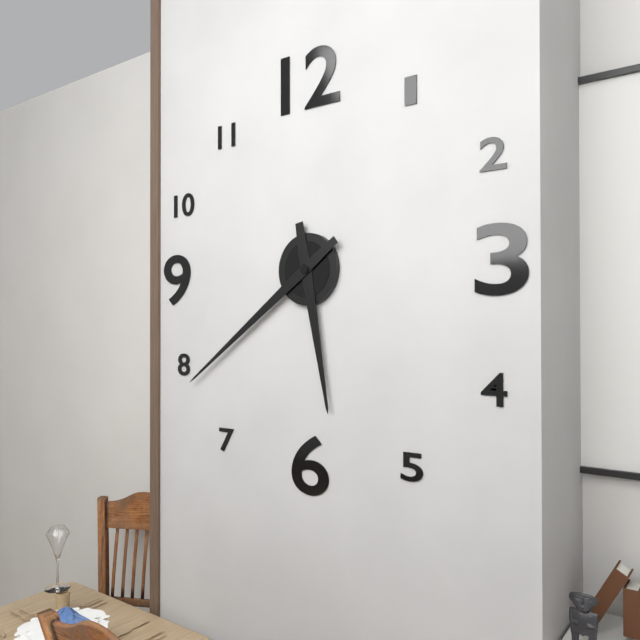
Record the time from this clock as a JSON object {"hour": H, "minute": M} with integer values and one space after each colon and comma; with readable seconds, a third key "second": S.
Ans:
{"hour": 5, "minute": 39}
